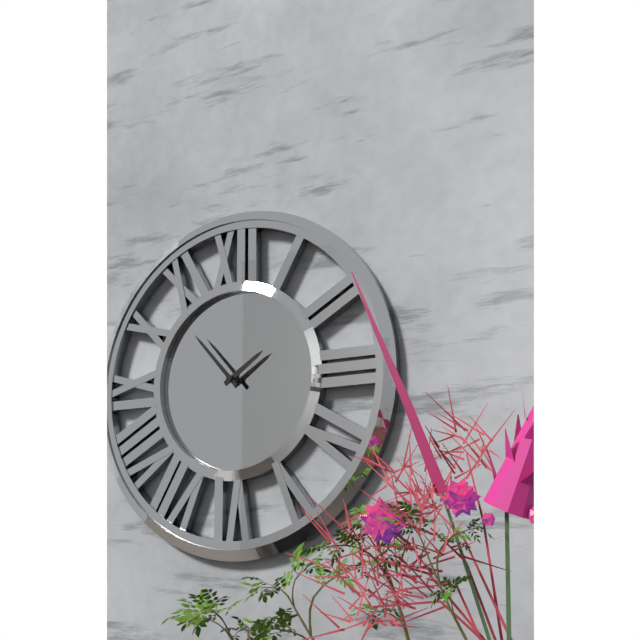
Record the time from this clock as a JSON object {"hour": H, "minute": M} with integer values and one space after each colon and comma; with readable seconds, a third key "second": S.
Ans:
{"hour": 1, "minute": 53}
